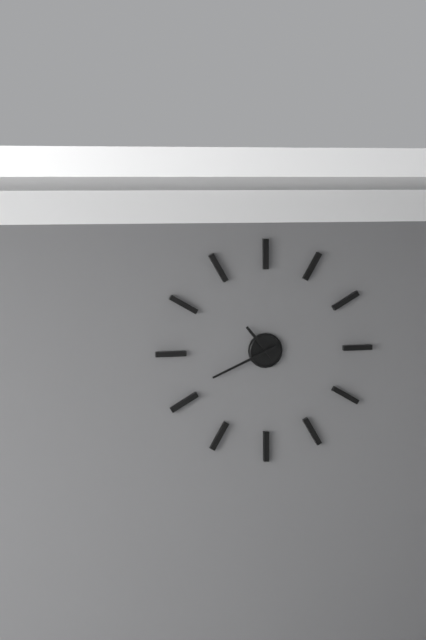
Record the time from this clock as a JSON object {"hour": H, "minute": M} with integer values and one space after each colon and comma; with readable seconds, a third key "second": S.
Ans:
{"hour": 10, "minute": 41}
